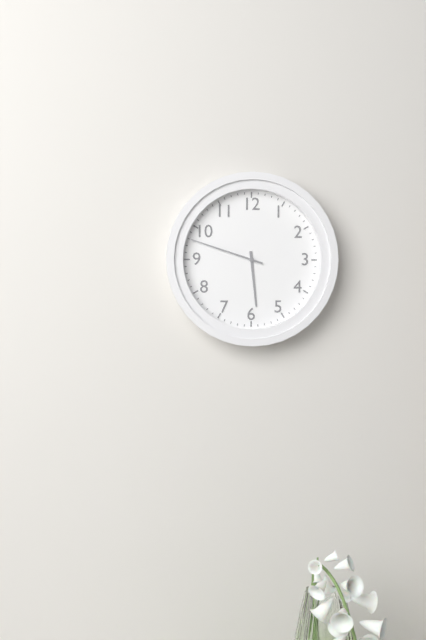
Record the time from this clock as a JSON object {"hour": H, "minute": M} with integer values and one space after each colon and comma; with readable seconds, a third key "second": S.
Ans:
{"hour": 5, "minute": 48}
